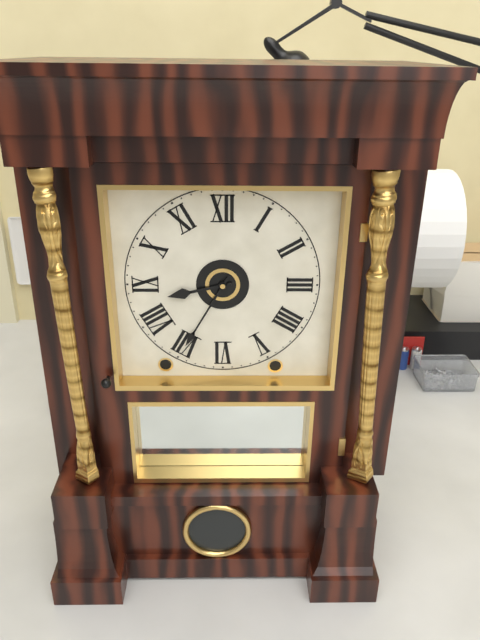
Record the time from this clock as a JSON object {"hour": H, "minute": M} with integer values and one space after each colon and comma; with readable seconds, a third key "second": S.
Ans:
{"hour": 8, "minute": 35}
